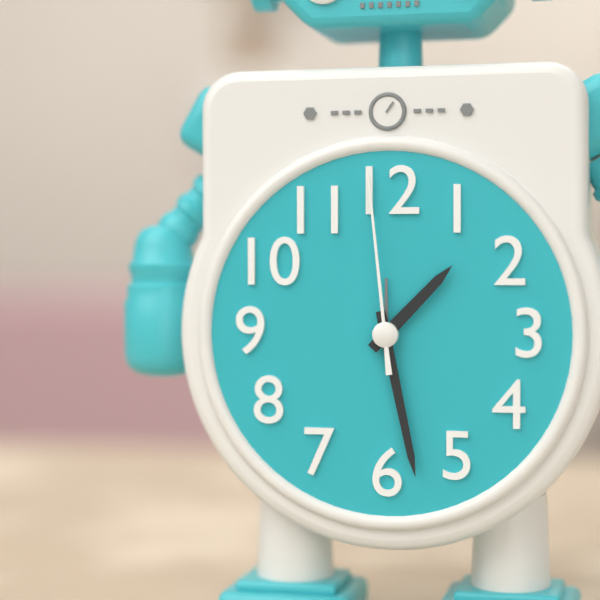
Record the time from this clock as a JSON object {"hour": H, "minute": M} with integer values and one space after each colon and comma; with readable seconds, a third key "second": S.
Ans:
{"hour": 1, "minute": 28, "second": 59}
